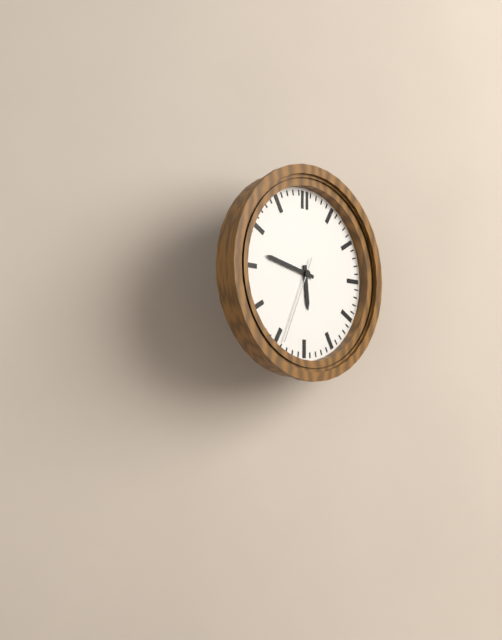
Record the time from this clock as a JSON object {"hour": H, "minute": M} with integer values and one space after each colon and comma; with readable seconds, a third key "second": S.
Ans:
{"hour": 5, "minute": 47, "second": 34}
